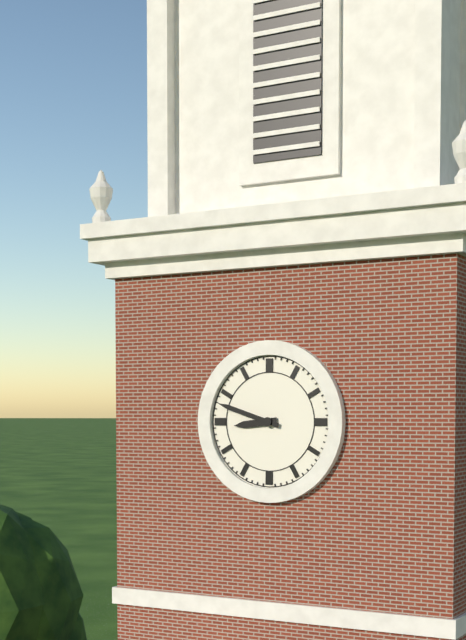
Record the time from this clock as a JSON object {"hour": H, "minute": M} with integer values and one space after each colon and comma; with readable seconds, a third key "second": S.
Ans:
{"hour": 8, "minute": 48}
